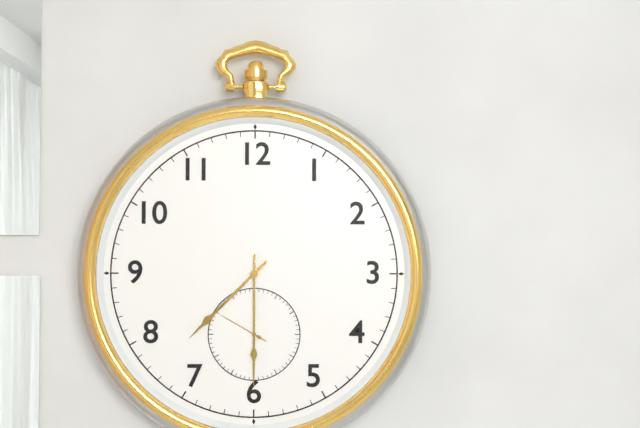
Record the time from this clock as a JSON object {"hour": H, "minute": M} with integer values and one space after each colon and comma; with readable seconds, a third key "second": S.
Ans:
{"hour": 7, "minute": 30, "second": 50}
